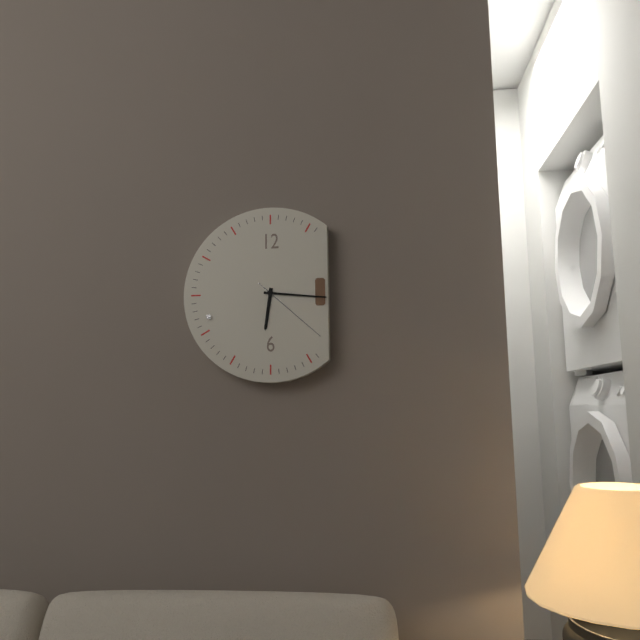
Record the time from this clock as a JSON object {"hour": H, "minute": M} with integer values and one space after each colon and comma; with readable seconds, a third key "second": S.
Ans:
{"hour": 6, "minute": 16, "second": 22}
